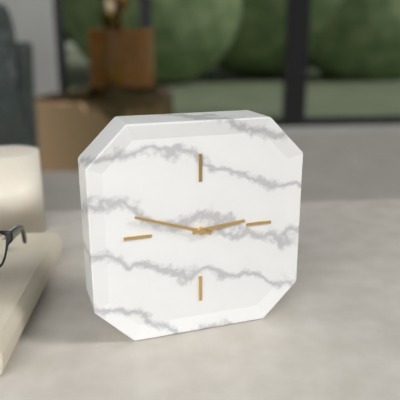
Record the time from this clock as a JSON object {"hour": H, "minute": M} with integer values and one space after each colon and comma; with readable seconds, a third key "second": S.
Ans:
{"hour": 2, "minute": 48}
